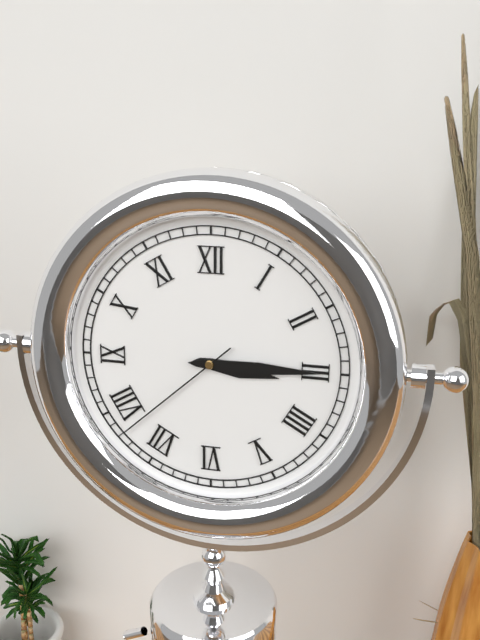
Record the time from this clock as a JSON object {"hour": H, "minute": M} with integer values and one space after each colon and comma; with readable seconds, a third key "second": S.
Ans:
{"hour": 3, "minute": 15, "second": 38}
